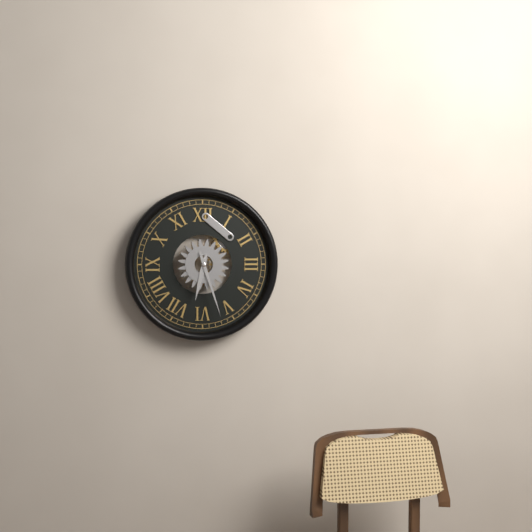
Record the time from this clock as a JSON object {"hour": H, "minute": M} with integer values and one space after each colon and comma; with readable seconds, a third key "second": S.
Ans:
{"hour": 6, "minute": 27}
